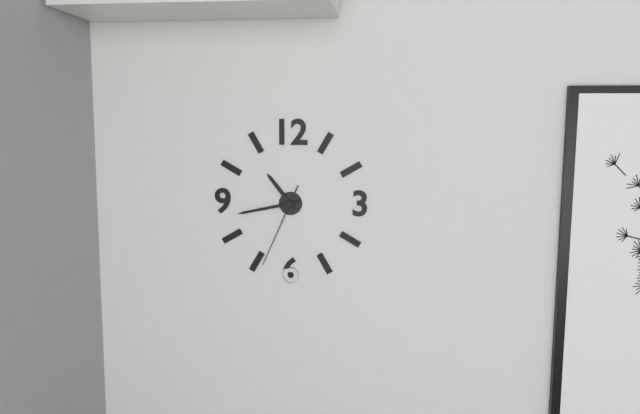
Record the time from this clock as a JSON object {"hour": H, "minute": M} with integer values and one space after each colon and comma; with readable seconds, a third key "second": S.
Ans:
{"hour": 10, "minute": 43, "second": 34}
